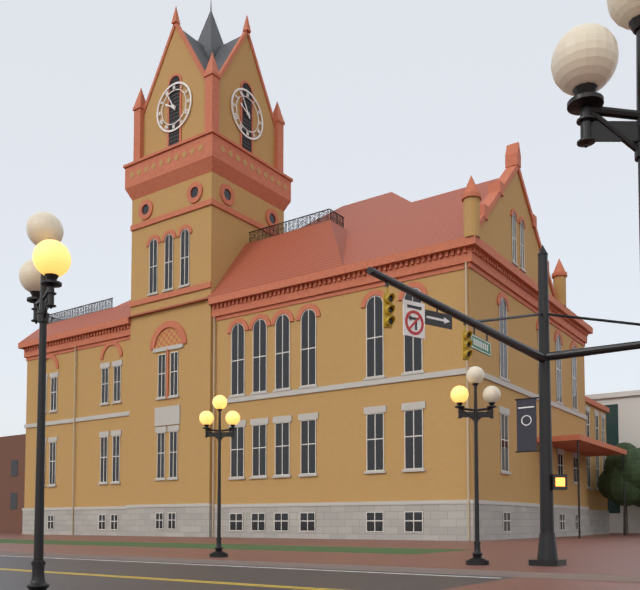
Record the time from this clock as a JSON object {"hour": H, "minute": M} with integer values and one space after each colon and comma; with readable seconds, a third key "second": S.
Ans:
{"hour": 9, "minute": 55}
